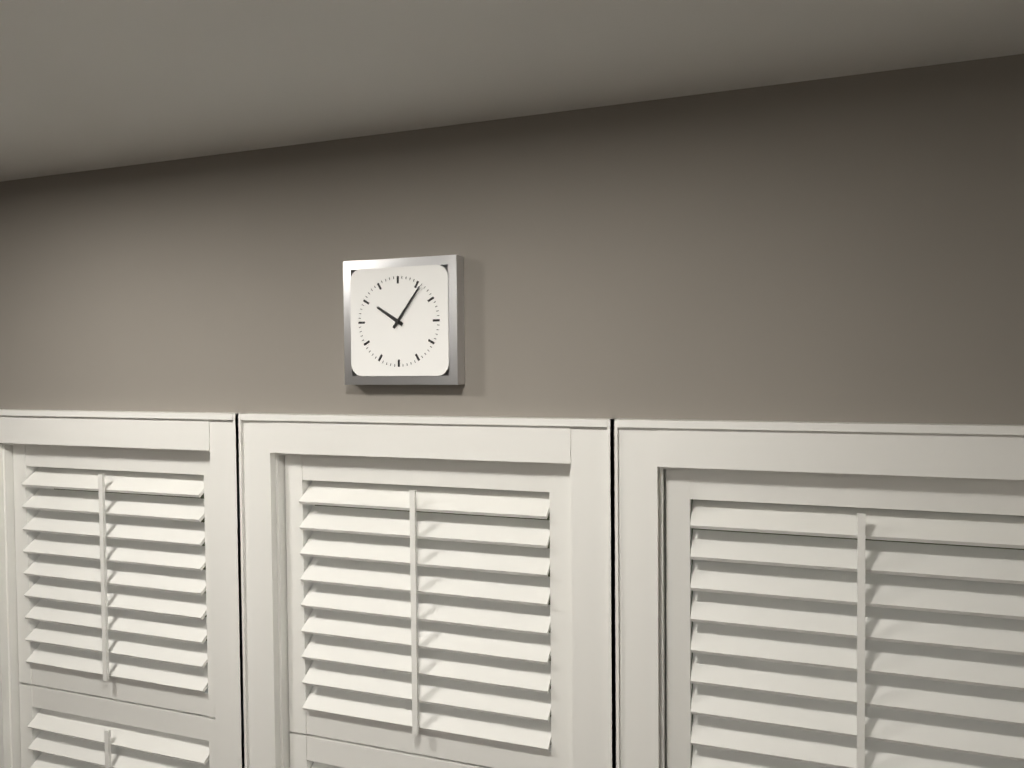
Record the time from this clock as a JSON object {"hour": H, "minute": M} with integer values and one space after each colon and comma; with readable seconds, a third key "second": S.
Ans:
{"hour": 10, "minute": 6}
